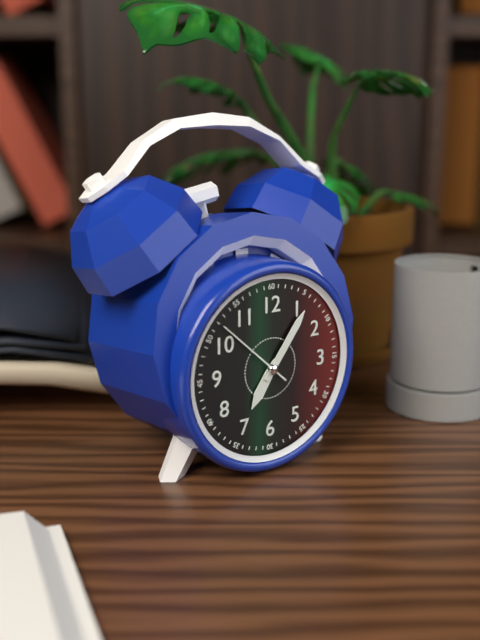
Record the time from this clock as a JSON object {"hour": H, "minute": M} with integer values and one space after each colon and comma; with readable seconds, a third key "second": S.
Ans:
{"hour": 7, "minute": 6, "second": 52}
